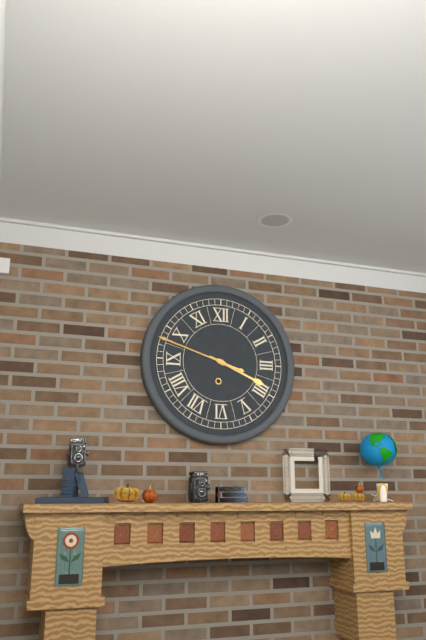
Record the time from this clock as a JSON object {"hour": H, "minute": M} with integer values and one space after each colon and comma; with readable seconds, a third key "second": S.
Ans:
{"hour": 3, "minute": 48}
